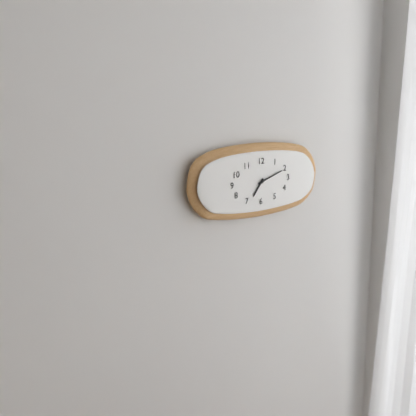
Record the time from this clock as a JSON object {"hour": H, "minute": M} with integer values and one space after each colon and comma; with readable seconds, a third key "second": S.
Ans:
{"hour": 7, "minute": 12}
